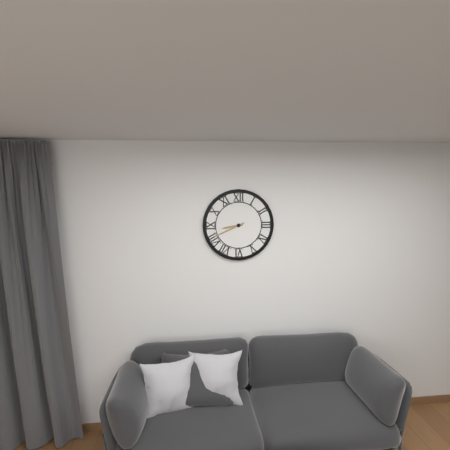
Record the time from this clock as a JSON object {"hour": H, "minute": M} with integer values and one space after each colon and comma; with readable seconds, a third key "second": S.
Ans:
{"hour": 8, "minute": 41}
